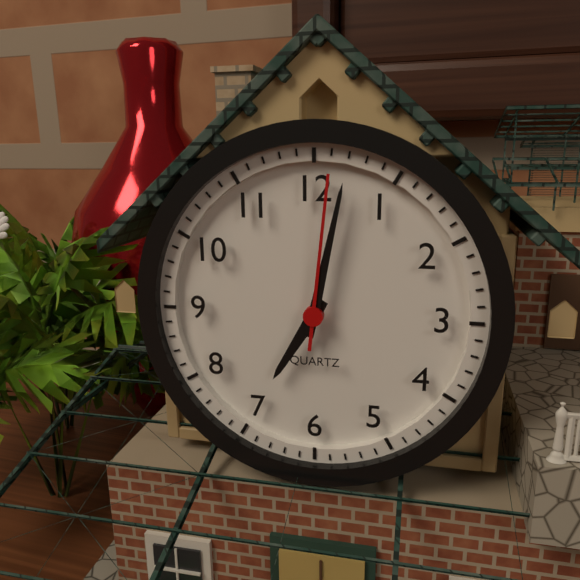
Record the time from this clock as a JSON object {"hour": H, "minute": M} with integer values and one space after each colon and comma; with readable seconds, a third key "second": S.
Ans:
{"hour": 7, "minute": 2, "second": 1}
